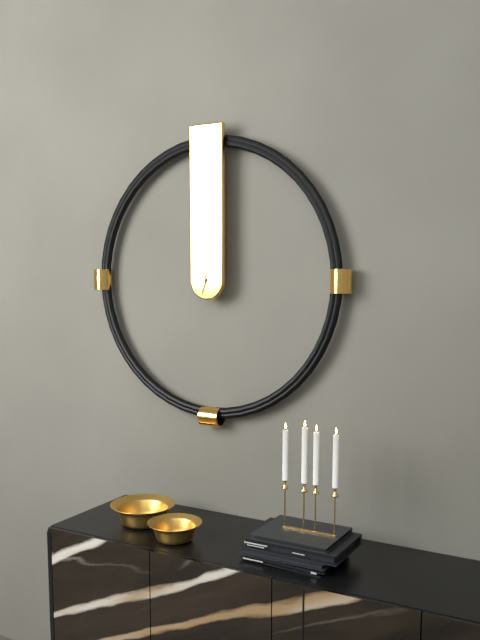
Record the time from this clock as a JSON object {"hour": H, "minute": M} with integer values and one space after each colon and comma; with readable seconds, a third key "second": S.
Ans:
{"hour": 11, "minute": 33}
